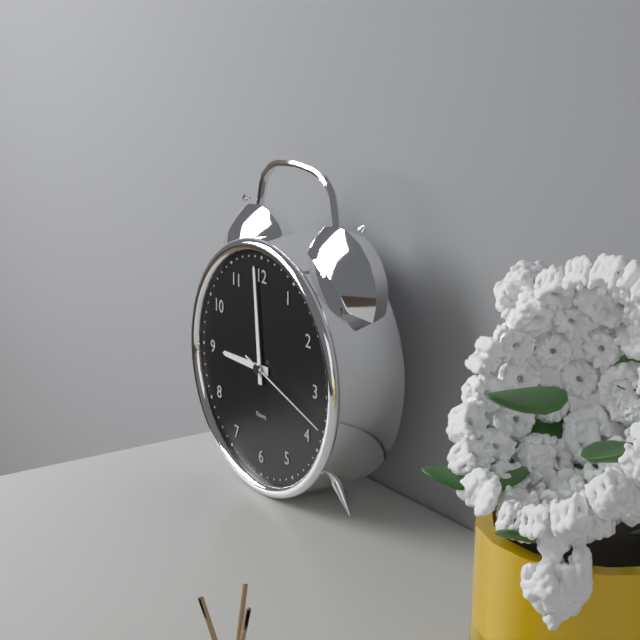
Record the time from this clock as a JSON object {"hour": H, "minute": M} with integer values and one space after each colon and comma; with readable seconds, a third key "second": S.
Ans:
{"hour": 8, "minute": 59, "second": 18}
